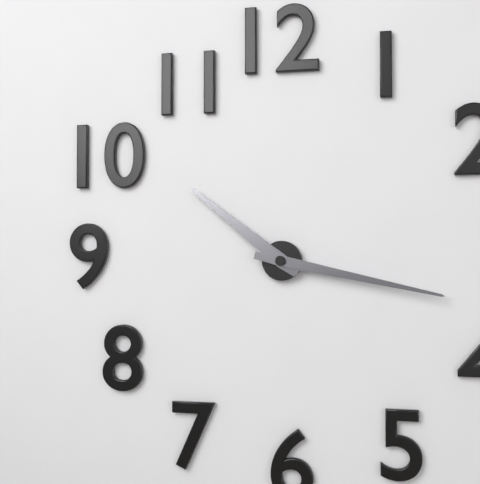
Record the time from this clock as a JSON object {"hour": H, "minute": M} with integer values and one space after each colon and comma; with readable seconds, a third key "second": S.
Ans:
{"hour": 10, "minute": 17}
